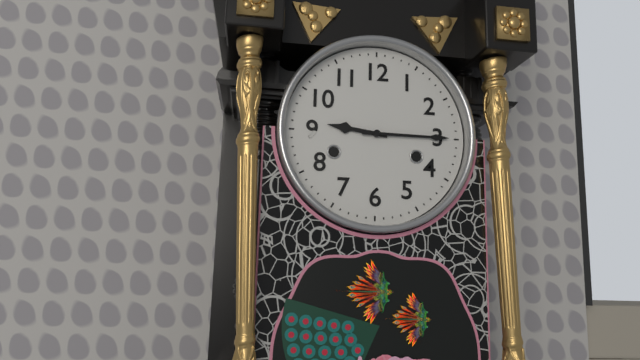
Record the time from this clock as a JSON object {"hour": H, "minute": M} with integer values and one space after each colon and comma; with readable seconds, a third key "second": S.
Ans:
{"hour": 9, "minute": 15}
